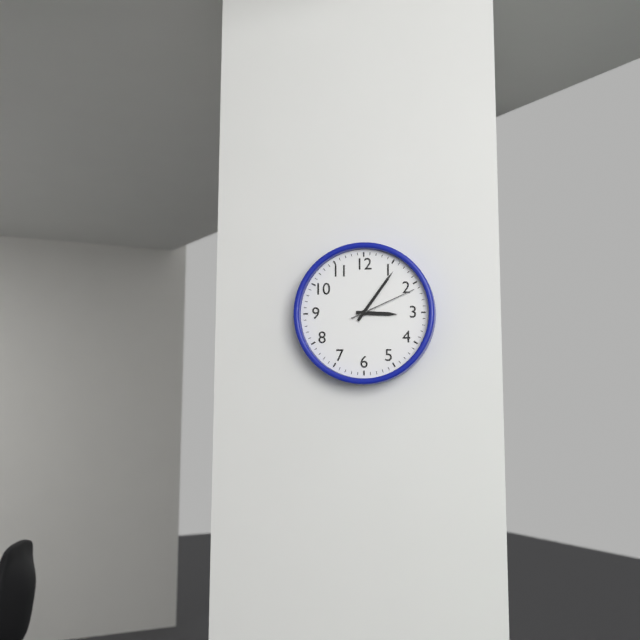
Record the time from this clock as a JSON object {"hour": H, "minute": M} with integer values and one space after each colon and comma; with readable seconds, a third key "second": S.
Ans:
{"hour": 3, "minute": 6, "second": 11}
